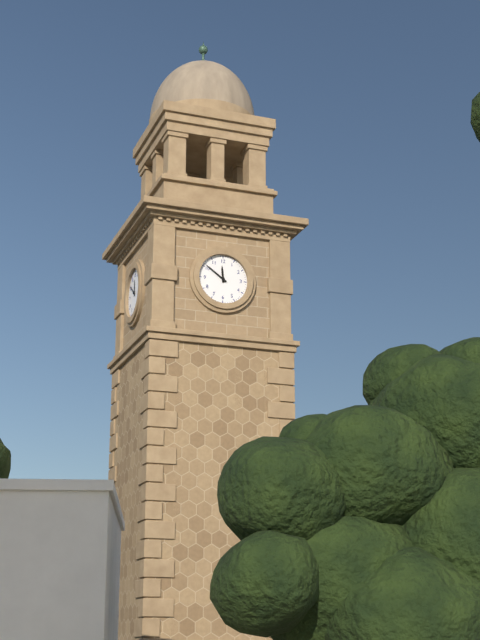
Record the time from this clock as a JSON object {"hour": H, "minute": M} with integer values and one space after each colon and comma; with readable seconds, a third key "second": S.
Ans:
{"hour": 11, "minute": 51}
